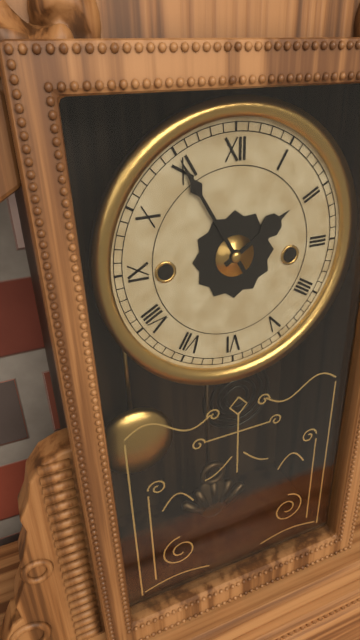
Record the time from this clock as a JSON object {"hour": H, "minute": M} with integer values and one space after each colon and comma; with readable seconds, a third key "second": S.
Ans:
{"hour": 1, "minute": 55}
